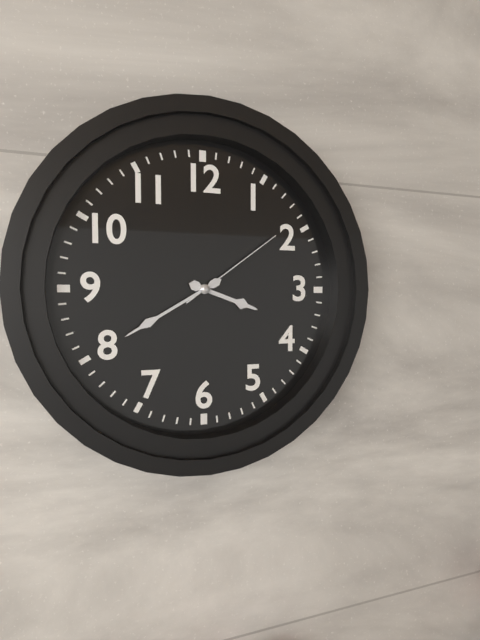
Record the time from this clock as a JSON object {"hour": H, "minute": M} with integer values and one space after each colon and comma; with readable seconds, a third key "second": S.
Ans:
{"hour": 3, "minute": 40, "second": 9}
